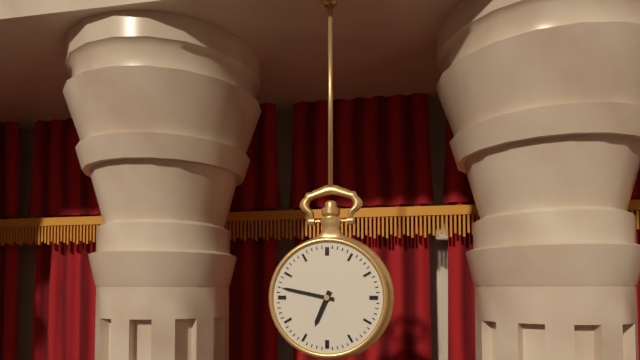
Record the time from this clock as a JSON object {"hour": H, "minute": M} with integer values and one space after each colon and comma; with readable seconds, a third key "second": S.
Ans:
{"hour": 6, "minute": 47}
